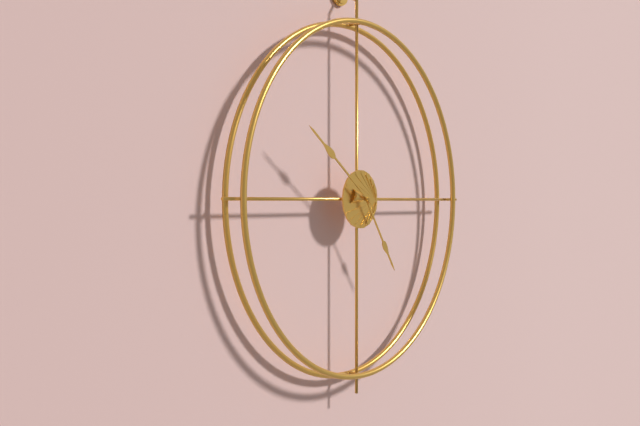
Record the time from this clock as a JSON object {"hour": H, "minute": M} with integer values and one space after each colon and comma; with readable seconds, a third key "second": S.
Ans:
{"hour": 4, "minute": 51}
